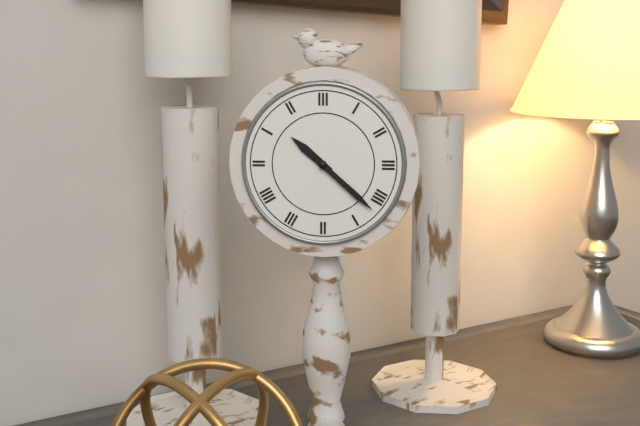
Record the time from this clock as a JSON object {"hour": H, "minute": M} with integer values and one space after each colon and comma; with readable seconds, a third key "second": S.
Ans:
{"hour": 10, "minute": 22}
